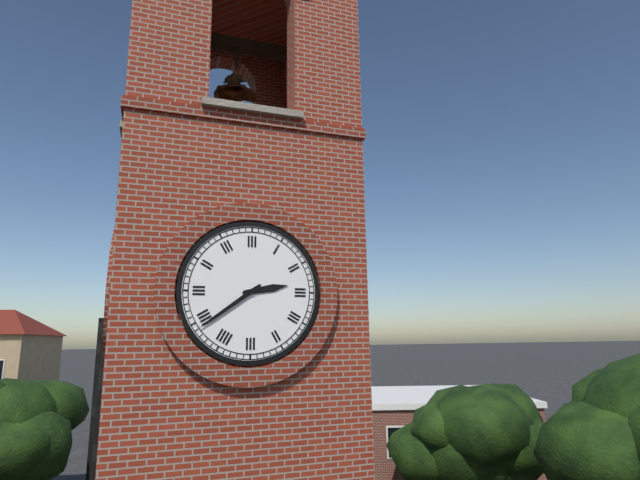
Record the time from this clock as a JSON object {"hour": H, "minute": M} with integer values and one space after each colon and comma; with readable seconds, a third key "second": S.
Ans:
{"hour": 2, "minute": 39}
